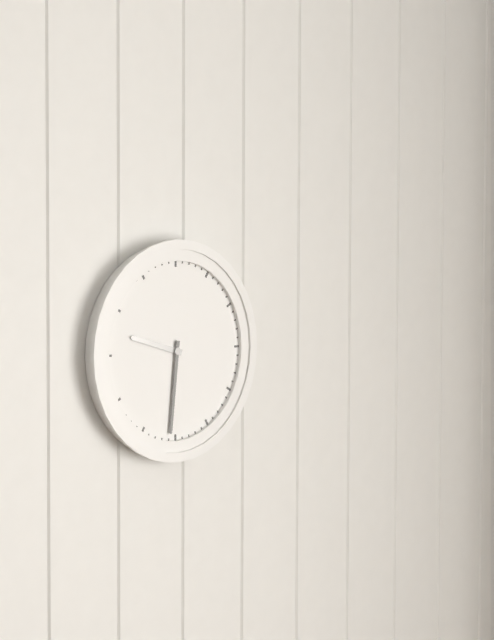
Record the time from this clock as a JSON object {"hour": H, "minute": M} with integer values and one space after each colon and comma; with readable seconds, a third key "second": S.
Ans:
{"hour": 9, "minute": 31}
